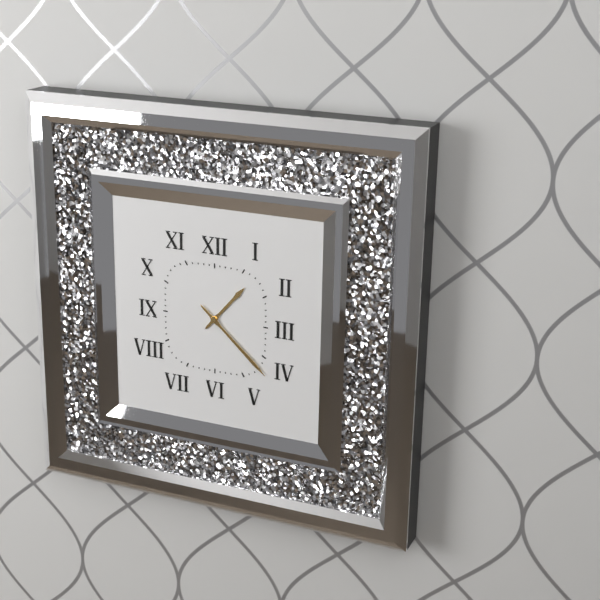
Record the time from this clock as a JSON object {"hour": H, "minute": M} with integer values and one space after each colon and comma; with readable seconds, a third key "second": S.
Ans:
{"hour": 1, "minute": 22}
